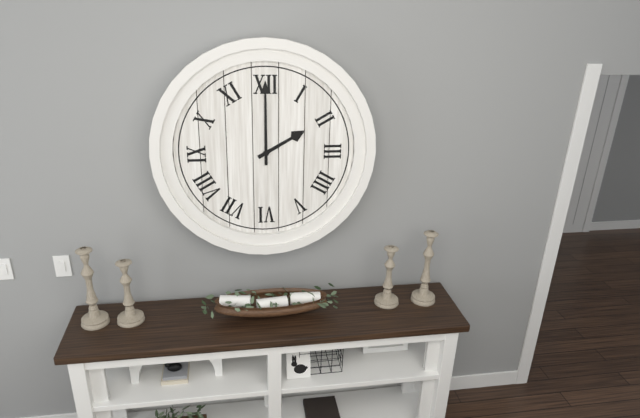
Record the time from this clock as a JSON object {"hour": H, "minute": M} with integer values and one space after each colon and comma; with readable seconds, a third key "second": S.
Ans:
{"hour": 2, "minute": 0}
